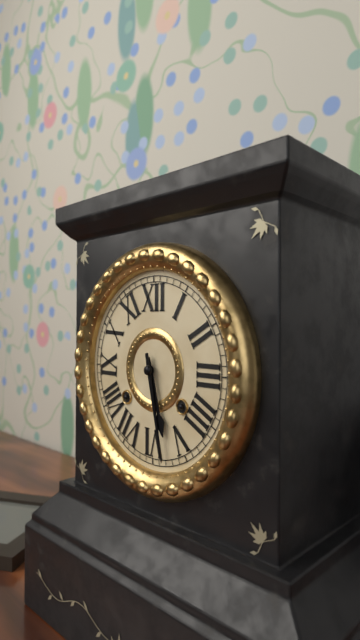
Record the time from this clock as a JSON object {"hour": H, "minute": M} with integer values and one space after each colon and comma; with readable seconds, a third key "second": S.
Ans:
{"hour": 5, "minute": 28}
